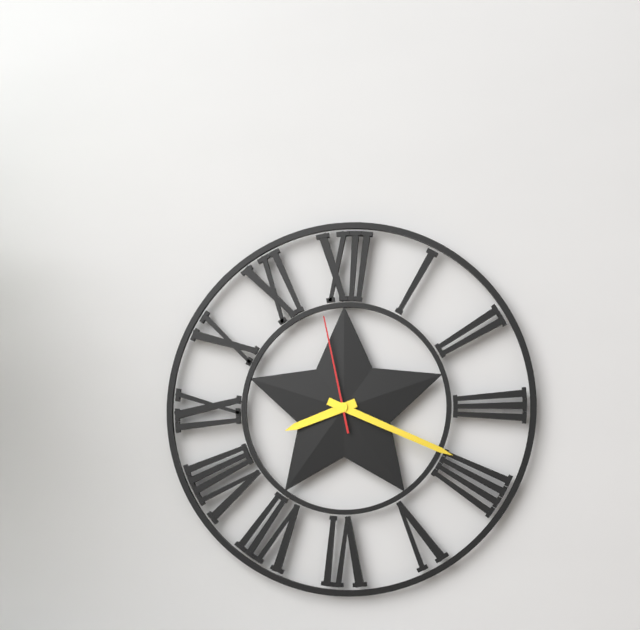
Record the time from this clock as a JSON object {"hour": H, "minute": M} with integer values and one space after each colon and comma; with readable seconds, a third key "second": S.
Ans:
{"hour": 8, "minute": 19, "second": 58}
